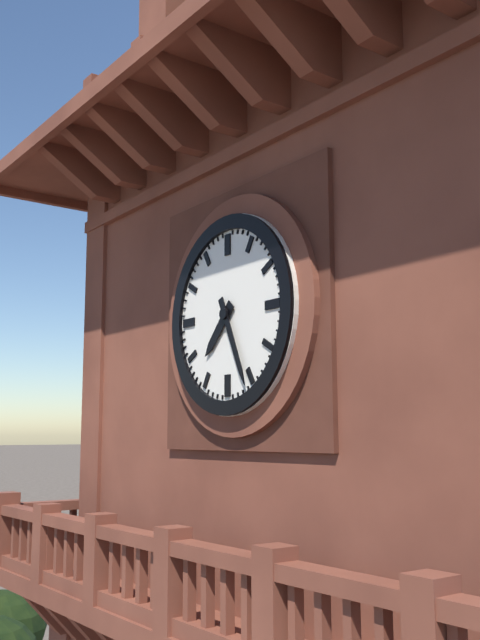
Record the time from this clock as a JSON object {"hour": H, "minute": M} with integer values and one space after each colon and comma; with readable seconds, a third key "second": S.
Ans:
{"hour": 7, "minute": 26}
